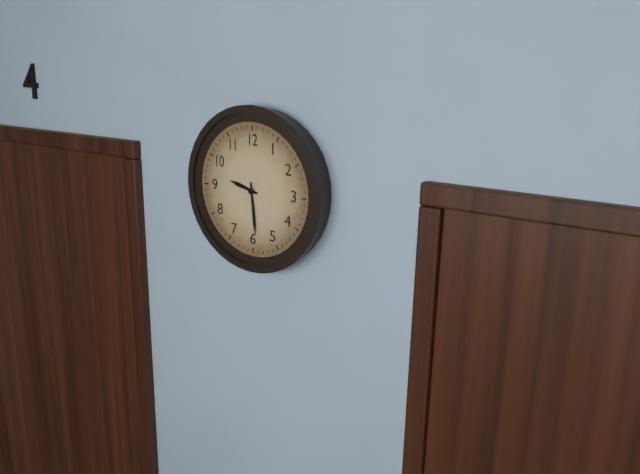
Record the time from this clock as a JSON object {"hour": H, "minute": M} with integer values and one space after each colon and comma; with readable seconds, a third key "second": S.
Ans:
{"hour": 9, "minute": 29}
